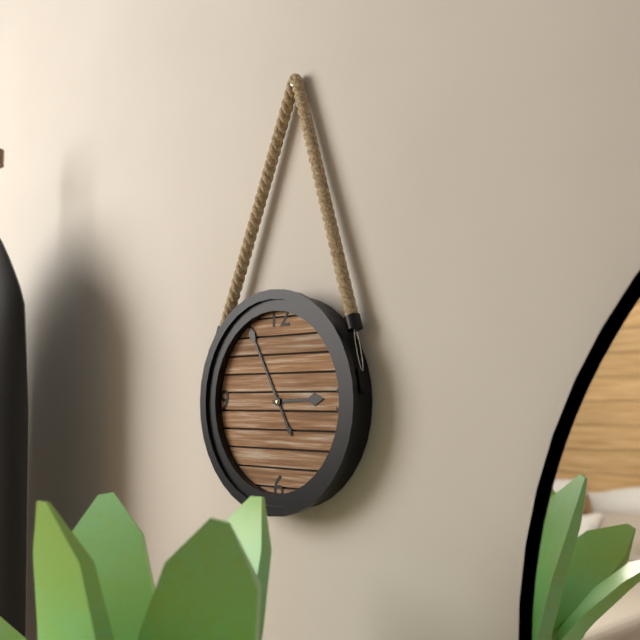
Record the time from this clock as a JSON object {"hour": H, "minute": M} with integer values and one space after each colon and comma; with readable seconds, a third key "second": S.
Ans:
{"hour": 2, "minute": 55}
